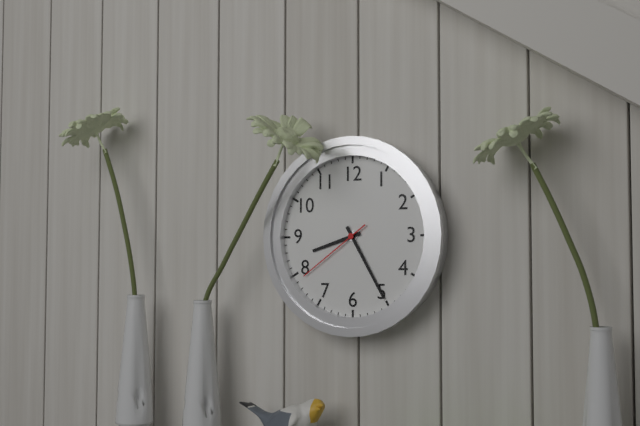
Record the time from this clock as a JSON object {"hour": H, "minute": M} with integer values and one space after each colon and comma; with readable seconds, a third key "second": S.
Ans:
{"hour": 8, "minute": 25, "second": 39}
